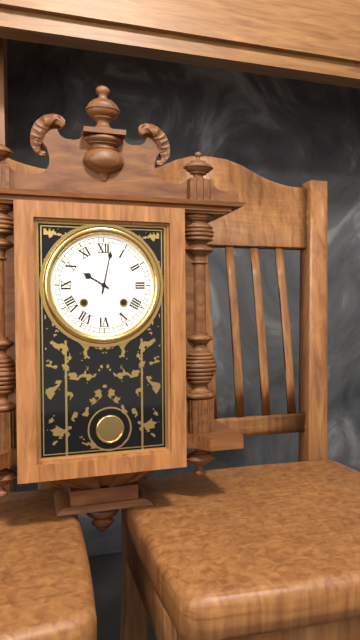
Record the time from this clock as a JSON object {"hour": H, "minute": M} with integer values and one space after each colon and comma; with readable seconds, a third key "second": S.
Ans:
{"hour": 10, "minute": 2}
